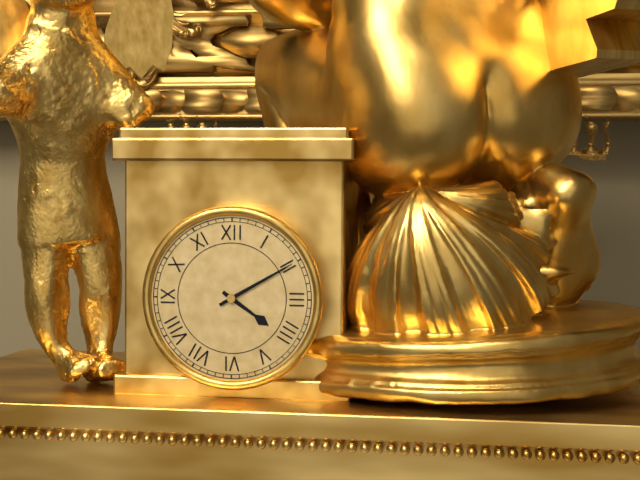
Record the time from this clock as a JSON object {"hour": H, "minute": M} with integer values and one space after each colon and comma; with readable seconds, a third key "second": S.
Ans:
{"hour": 4, "minute": 10}
